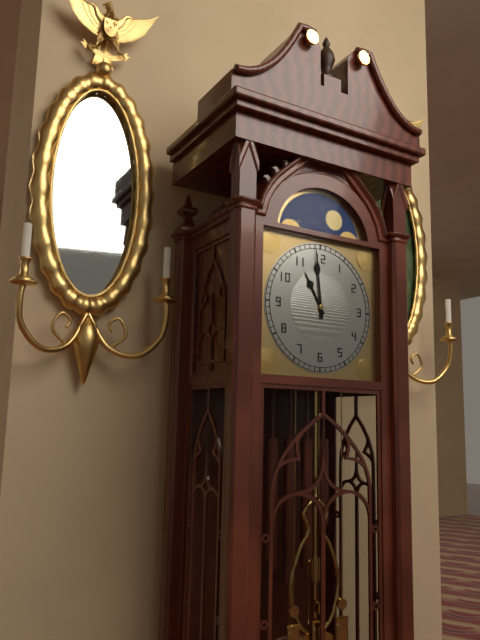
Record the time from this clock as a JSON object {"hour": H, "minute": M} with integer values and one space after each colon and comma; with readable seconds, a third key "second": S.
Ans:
{"hour": 10, "minute": 59}
